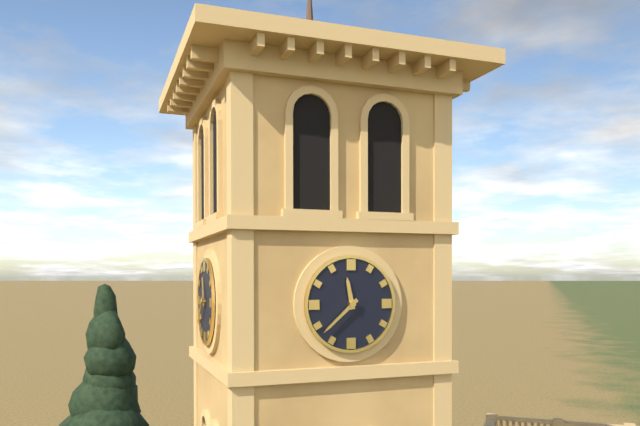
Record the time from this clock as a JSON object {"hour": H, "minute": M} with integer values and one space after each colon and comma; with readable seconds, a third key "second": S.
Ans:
{"hour": 11, "minute": 38}
